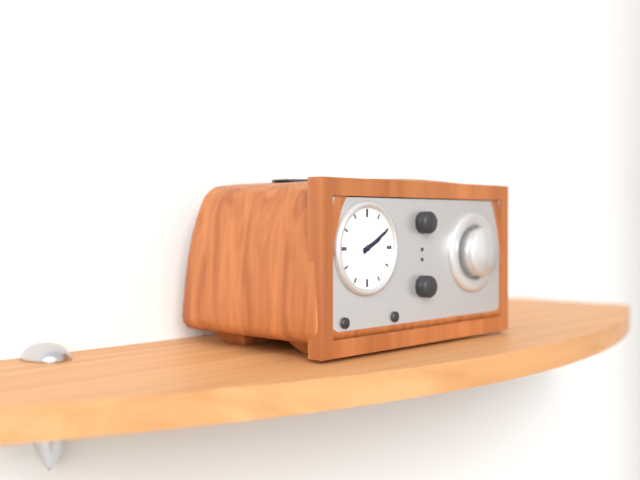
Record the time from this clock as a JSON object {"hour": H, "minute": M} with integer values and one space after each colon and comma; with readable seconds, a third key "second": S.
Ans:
{"hour": 2, "minute": 10}
